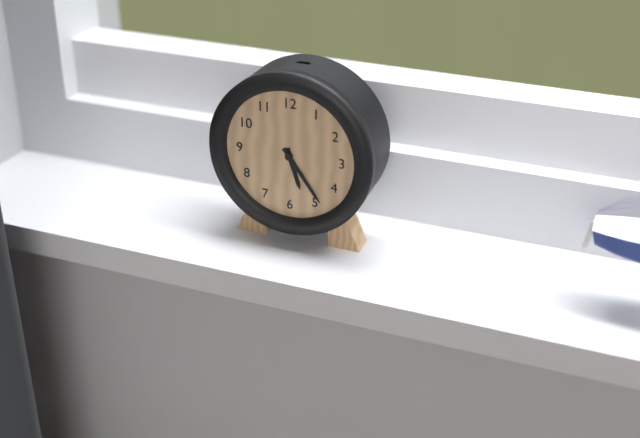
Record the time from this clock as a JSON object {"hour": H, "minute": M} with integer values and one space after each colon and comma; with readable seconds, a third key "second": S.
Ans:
{"hour": 5, "minute": 24}
